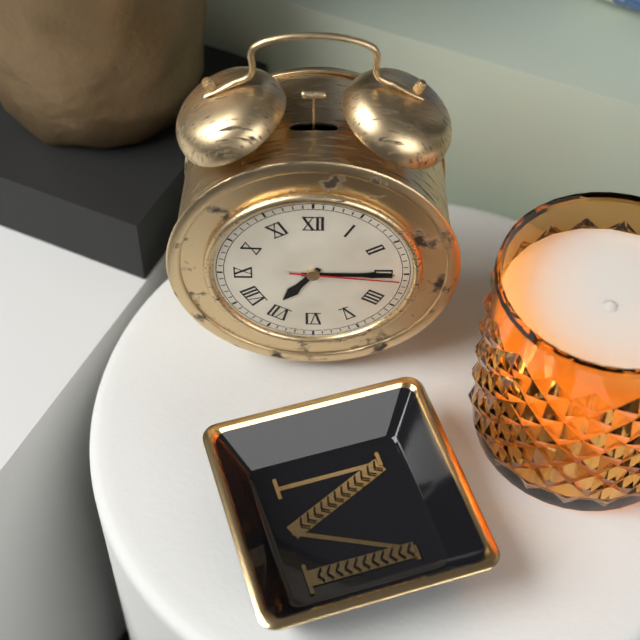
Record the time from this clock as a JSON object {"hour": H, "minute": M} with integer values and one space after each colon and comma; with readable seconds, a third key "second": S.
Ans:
{"hour": 7, "minute": 15, "second": 16}
